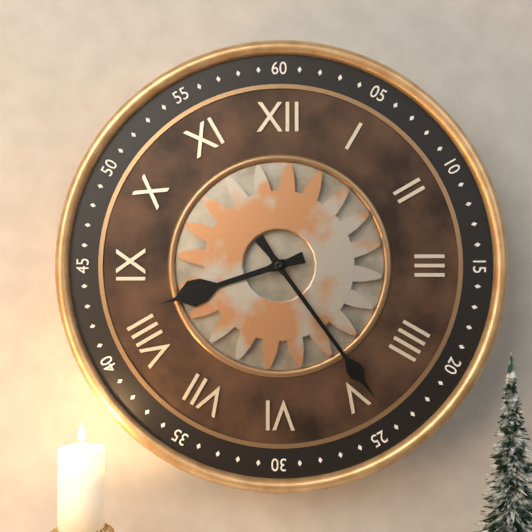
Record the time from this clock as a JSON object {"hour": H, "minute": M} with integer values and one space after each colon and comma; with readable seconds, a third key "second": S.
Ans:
{"hour": 8, "minute": 24}
